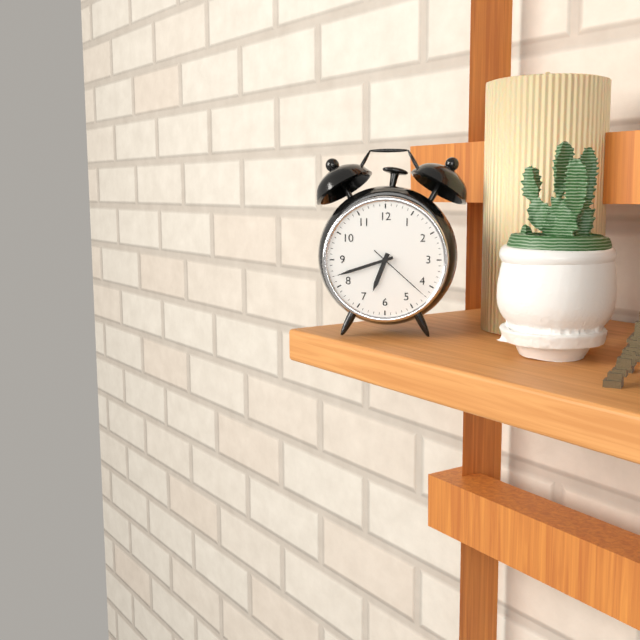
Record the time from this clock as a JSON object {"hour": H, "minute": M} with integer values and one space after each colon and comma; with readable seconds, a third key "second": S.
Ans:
{"hour": 6, "minute": 42, "second": 22}
